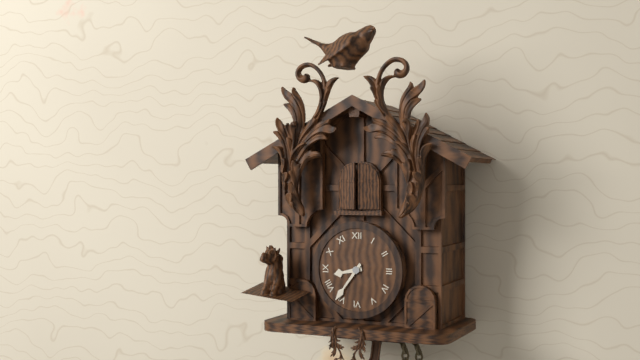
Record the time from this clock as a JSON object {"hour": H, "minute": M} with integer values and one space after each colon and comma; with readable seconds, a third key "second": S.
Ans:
{"hour": 8, "minute": 36}
